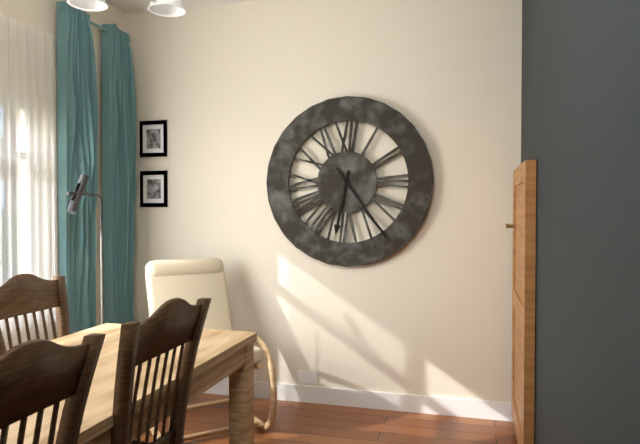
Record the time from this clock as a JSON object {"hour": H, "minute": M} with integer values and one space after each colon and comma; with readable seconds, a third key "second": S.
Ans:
{"hour": 6, "minute": 24}
